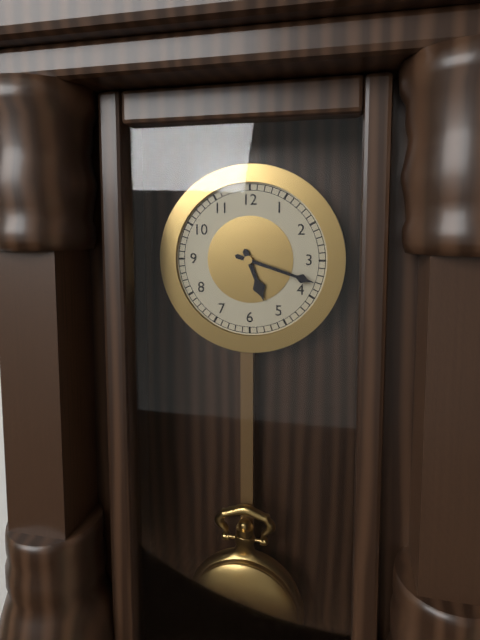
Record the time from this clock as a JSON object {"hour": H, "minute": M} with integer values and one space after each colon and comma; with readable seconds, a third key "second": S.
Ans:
{"hour": 5, "minute": 18}
